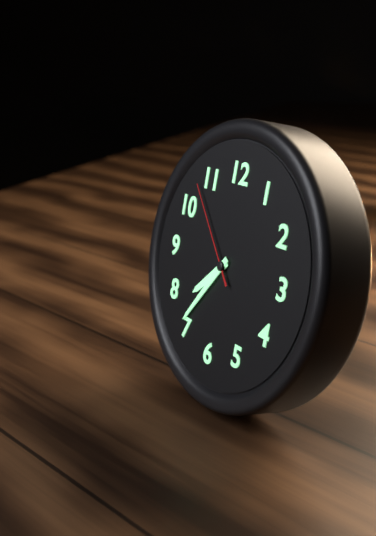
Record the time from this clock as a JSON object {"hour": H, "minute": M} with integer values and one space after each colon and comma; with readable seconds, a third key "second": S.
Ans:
{"hour": 7, "minute": 36, "second": 53}
